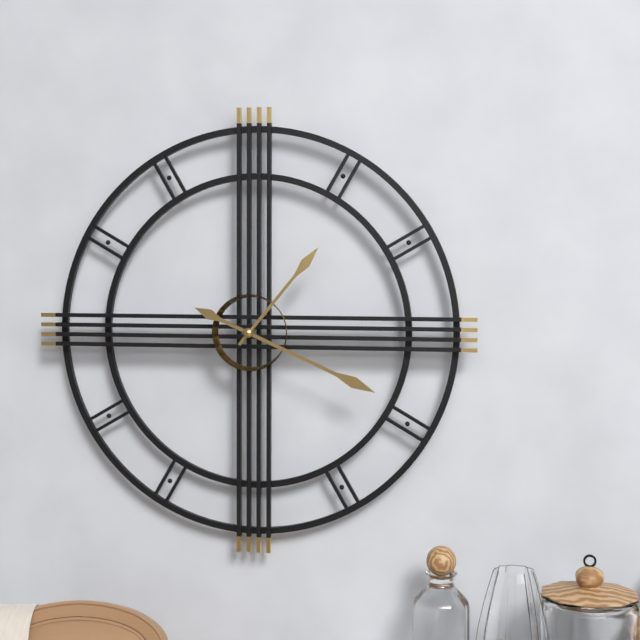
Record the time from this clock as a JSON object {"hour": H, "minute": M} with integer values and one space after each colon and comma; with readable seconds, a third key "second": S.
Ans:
{"hour": 1, "minute": 19}
